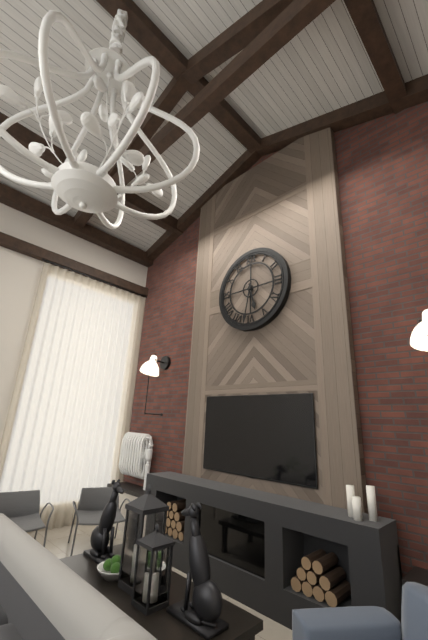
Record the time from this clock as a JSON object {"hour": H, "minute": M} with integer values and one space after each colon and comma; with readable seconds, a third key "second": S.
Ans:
{"hour": 5, "minute": 32}
